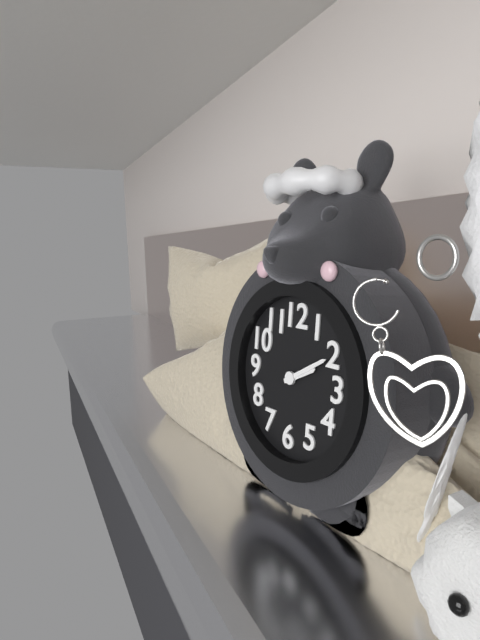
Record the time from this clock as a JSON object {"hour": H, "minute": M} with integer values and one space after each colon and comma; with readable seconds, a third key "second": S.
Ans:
{"hour": 2, "minute": 10}
